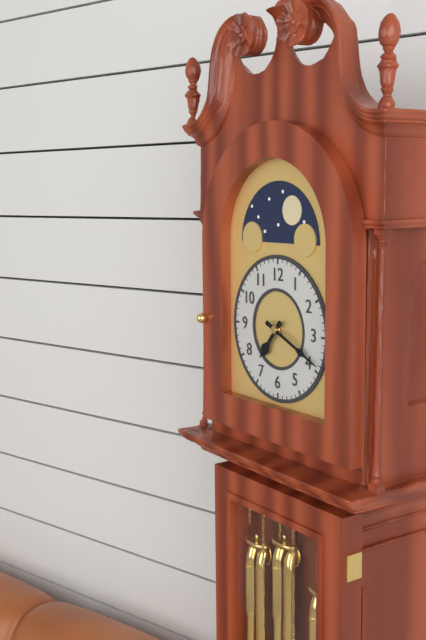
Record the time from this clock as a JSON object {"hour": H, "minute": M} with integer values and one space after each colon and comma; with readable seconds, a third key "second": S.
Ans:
{"hour": 7, "minute": 19}
